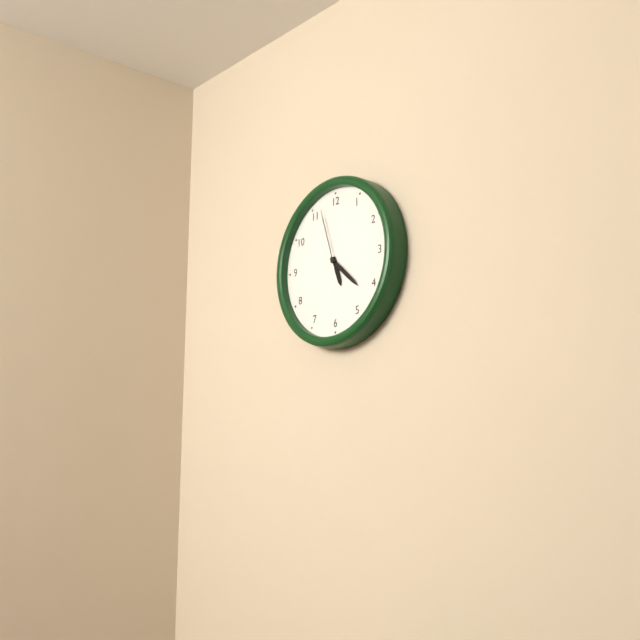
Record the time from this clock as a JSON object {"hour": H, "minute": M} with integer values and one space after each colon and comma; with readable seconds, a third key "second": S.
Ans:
{"hour": 5, "minute": 22, "second": 57}
